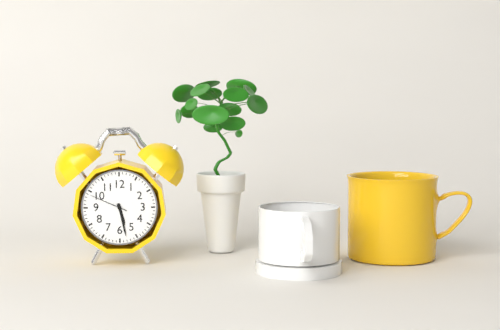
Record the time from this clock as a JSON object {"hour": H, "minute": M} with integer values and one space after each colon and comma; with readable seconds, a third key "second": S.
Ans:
{"hour": 5, "minute": 28}
